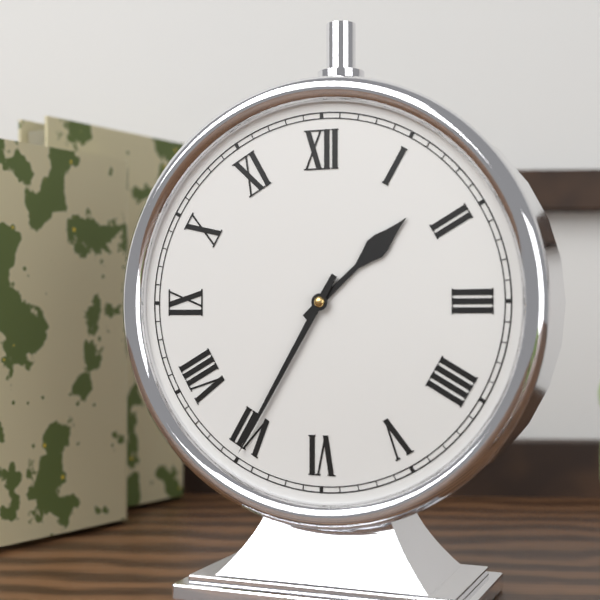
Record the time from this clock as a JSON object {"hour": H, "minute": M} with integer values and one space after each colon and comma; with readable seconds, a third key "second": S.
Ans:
{"hour": 1, "minute": 35}
